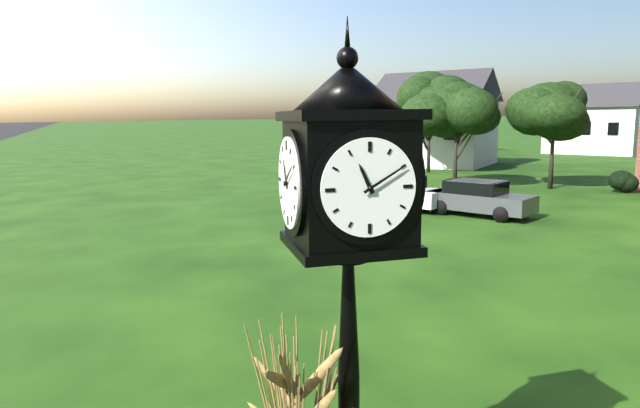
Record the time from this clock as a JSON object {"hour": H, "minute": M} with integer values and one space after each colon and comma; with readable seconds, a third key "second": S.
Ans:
{"hour": 11, "minute": 10}
